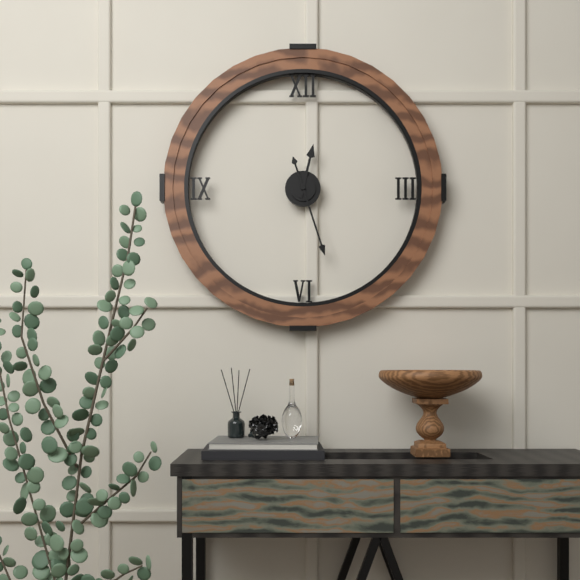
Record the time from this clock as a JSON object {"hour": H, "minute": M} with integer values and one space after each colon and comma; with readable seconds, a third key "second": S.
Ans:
{"hour": 12, "minute": 27}
